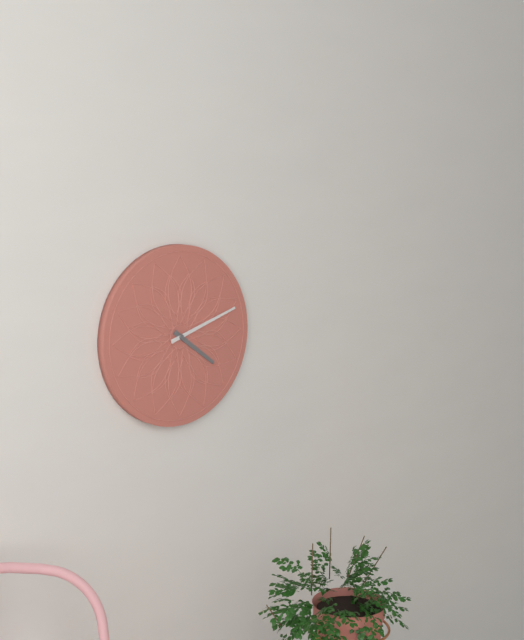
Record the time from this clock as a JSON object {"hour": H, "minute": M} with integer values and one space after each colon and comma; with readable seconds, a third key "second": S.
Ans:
{"hour": 4, "minute": 12}
